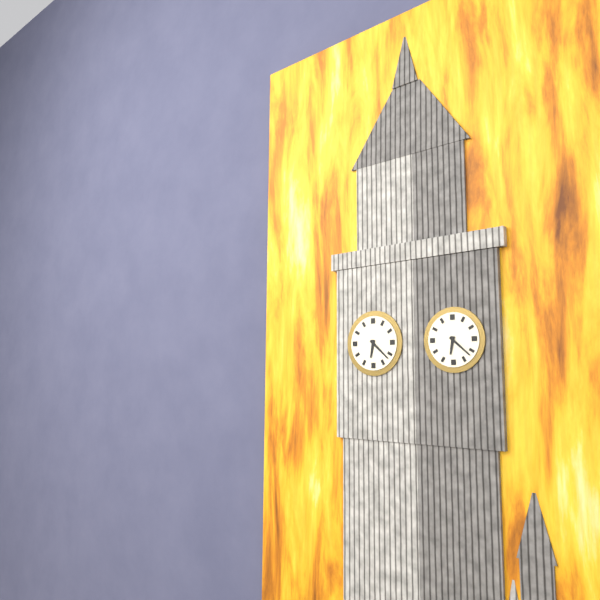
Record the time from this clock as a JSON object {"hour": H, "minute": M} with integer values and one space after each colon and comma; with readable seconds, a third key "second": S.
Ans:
{"hour": 6, "minute": 22}
